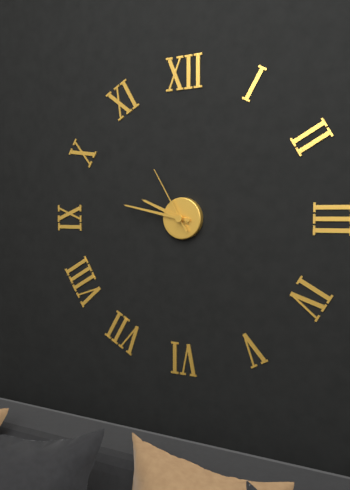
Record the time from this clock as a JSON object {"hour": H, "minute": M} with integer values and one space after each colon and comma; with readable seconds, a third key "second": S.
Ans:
{"hour": 9, "minute": 47, "second": 55}
